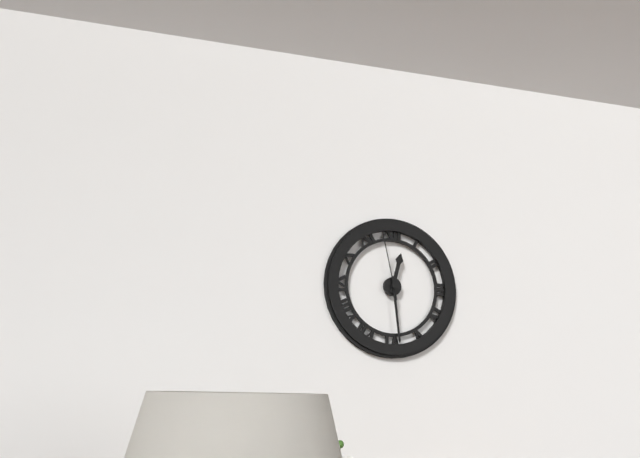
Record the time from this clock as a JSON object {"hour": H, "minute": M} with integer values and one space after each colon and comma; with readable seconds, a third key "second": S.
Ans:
{"hour": 12, "minute": 29, "second": 58}
